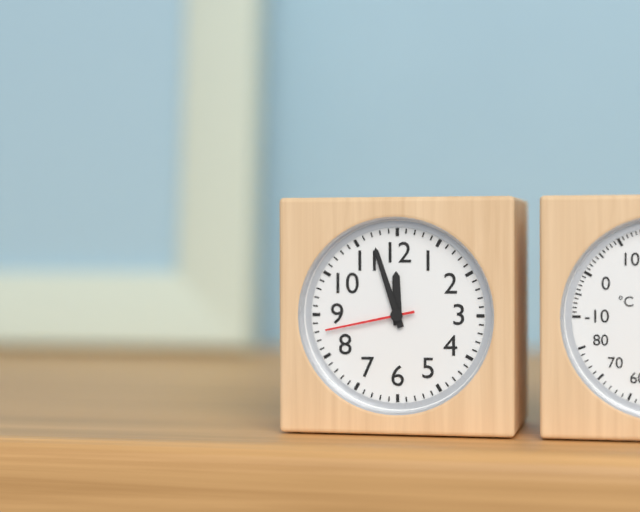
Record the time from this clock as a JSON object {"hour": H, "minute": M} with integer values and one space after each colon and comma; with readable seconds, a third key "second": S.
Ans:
{"hour": 11, "minute": 57, "second": 43}
